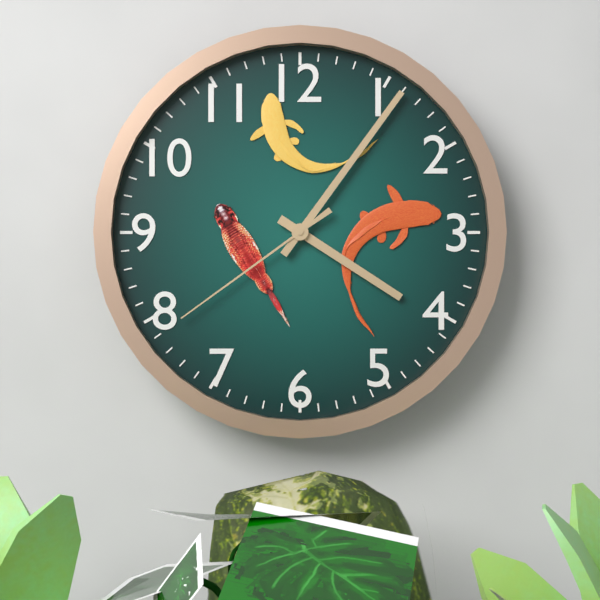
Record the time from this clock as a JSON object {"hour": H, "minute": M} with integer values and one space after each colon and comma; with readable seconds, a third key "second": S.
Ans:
{"hour": 4, "minute": 6, "second": 39}
